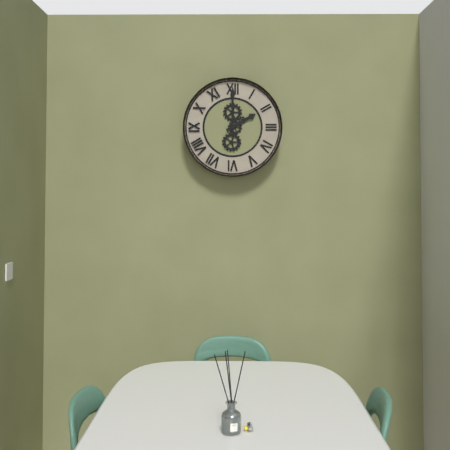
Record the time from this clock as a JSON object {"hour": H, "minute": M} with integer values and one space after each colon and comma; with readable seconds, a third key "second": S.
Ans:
{"hour": 2, "minute": 0}
